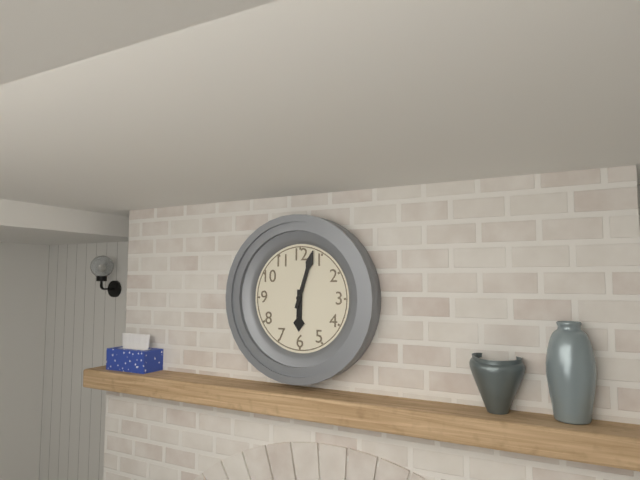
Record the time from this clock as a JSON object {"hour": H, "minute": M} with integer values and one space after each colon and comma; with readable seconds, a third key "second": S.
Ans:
{"hour": 6, "minute": 3}
